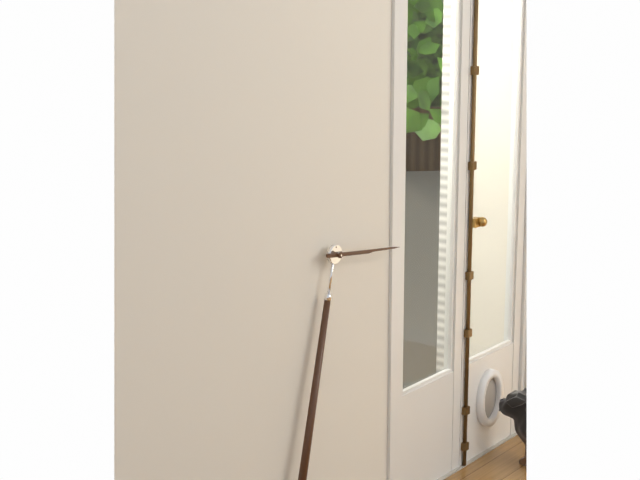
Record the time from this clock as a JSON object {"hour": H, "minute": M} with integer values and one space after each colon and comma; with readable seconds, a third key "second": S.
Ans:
{"hour": 3, "minute": 16}
